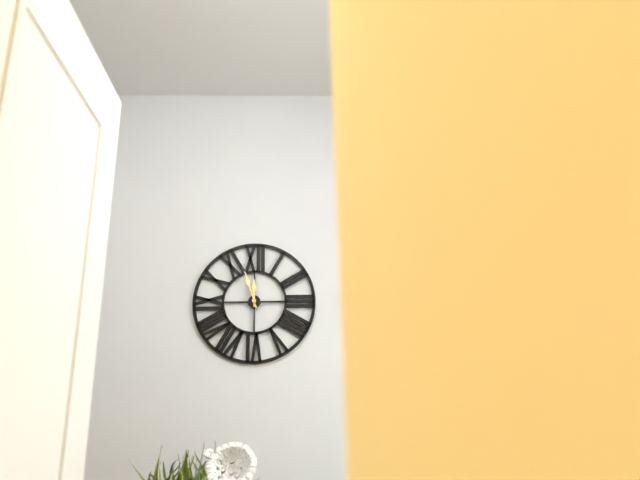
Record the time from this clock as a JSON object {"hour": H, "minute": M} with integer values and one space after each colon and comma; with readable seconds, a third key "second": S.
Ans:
{"hour": 11, "minute": 57}
